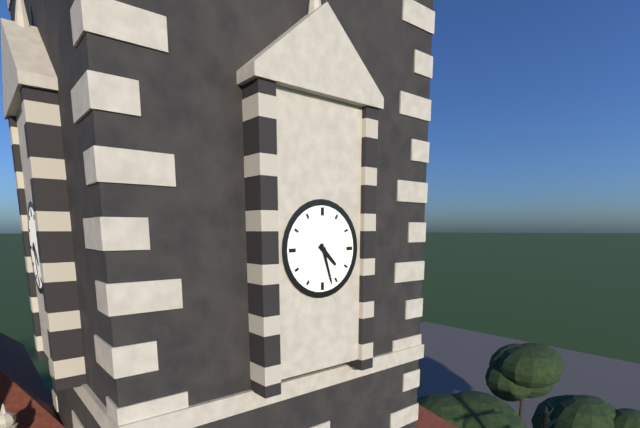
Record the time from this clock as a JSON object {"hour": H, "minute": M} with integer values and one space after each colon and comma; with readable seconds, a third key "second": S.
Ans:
{"hour": 4, "minute": 27}
